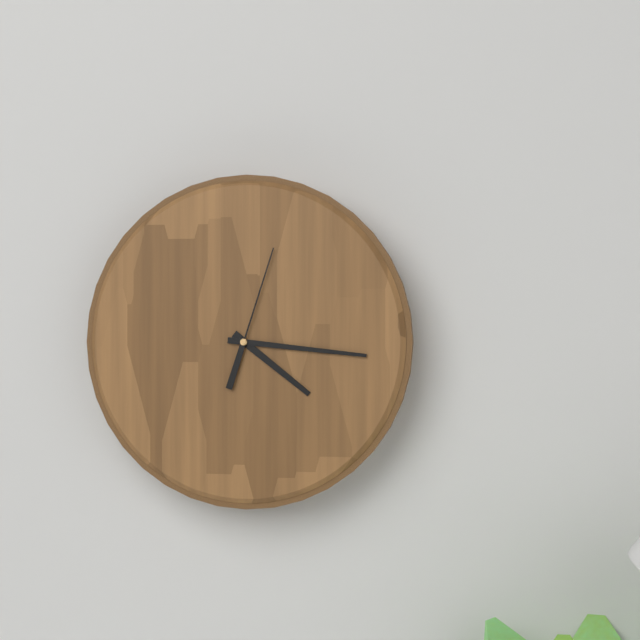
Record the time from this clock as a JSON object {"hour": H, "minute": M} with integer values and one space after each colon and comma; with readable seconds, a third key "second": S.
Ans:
{"hour": 4, "minute": 16, "second": 3}
